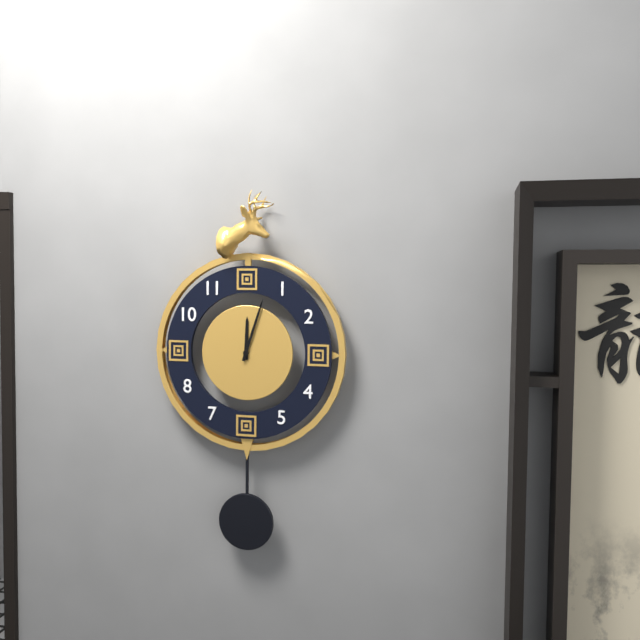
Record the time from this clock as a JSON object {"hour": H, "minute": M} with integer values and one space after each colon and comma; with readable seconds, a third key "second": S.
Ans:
{"hour": 12, "minute": 3}
